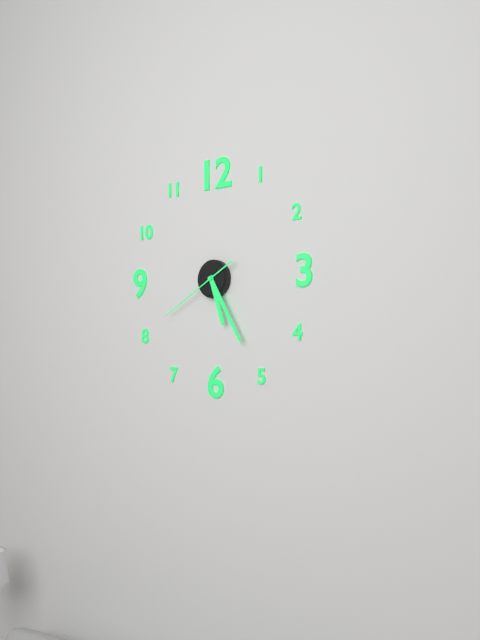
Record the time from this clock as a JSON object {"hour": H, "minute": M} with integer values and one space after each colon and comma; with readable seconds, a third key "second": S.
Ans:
{"hour": 5, "minute": 25, "second": 40}
